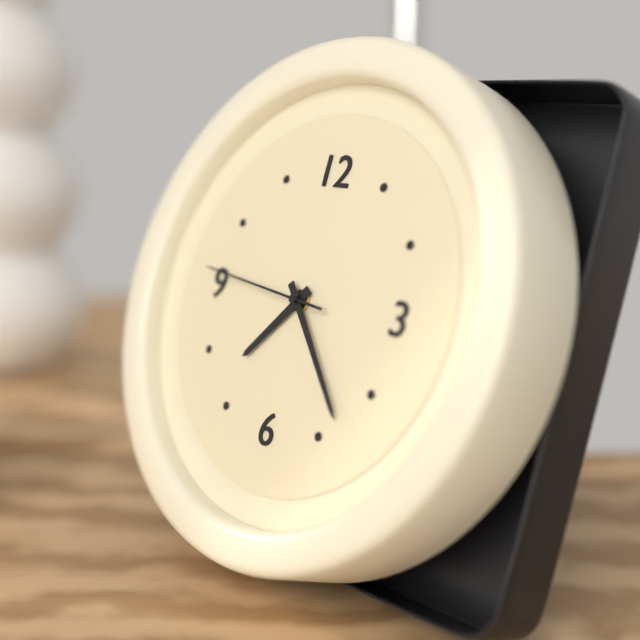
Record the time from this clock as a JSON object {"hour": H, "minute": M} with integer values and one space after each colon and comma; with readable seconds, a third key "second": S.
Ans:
{"hour": 7, "minute": 23, "second": 46}
